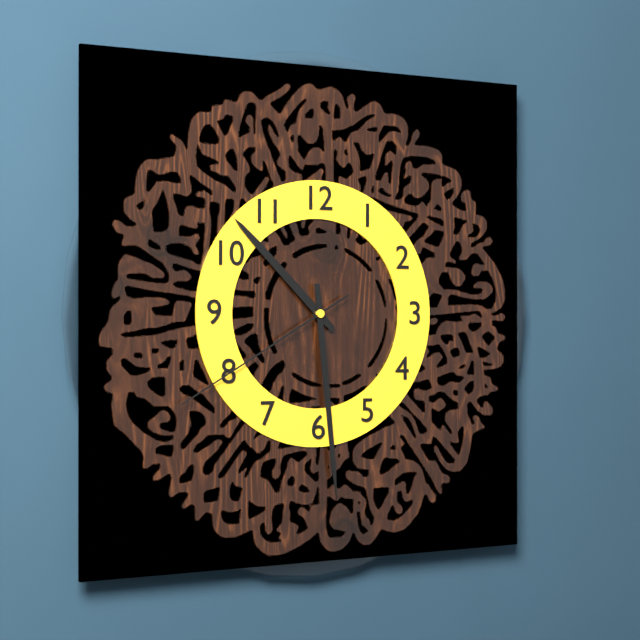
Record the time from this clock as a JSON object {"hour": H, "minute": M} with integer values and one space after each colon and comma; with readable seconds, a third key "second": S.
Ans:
{"hour": 10, "minute": 29, "second": 40}
